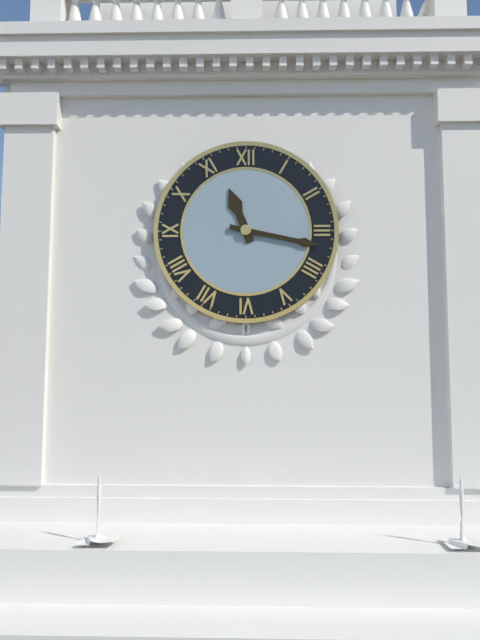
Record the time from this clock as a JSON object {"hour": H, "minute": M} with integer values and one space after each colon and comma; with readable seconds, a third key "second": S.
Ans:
{"hour": 11, "minute": 17}
